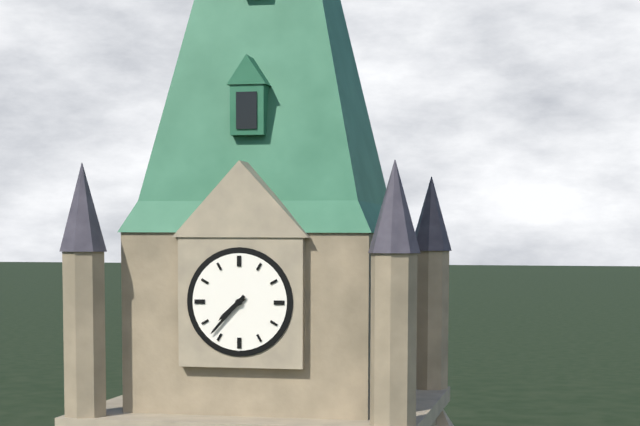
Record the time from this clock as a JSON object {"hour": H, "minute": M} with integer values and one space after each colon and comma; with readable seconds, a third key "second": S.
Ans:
{"hour": 7, "minute": 37}
